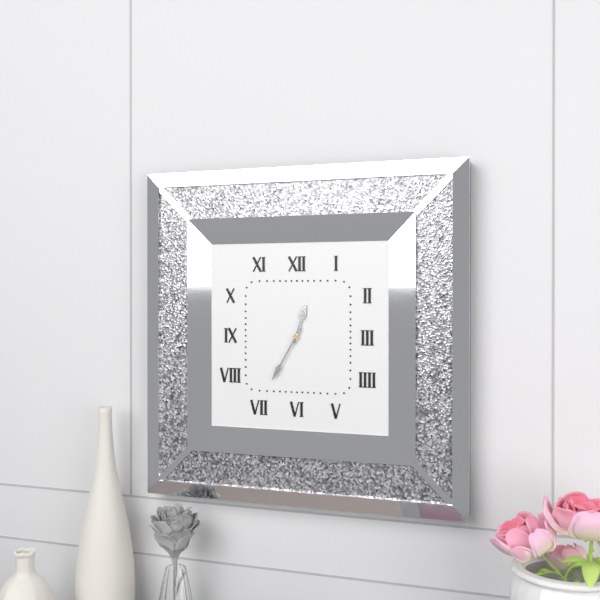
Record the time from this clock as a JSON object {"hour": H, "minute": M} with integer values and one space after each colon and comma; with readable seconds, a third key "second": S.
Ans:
{"hour": 12, "minute": 35}
